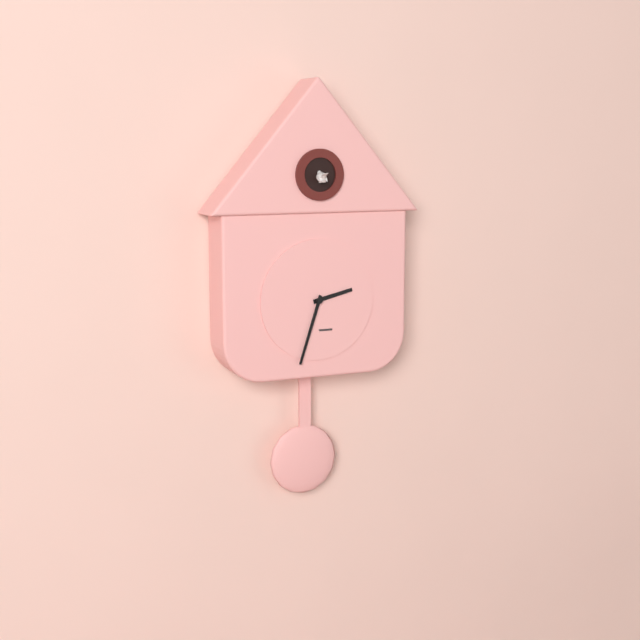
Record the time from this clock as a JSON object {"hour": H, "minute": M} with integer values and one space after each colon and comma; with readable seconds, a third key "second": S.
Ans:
{"hour": 2, "minute": 33}
